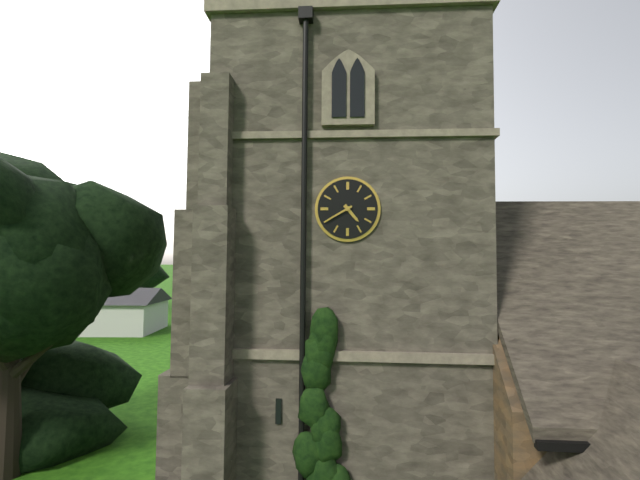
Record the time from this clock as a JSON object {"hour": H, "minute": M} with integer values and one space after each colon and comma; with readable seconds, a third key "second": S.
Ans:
{"hour": 4, "minute": 40}
